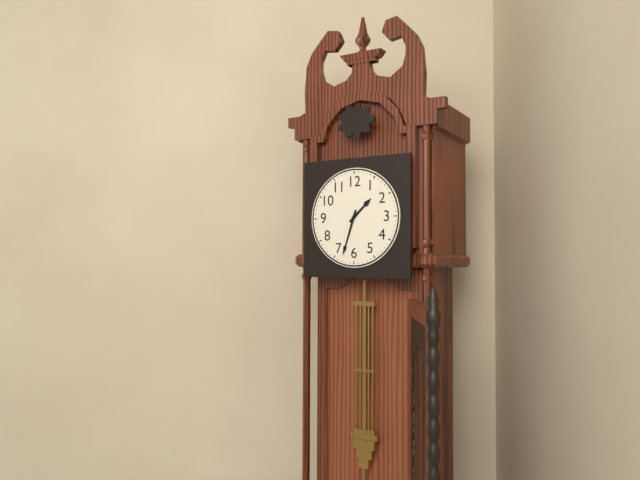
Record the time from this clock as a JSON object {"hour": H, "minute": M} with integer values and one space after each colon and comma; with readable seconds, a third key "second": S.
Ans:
{"hour": 1, "minute": 33}
